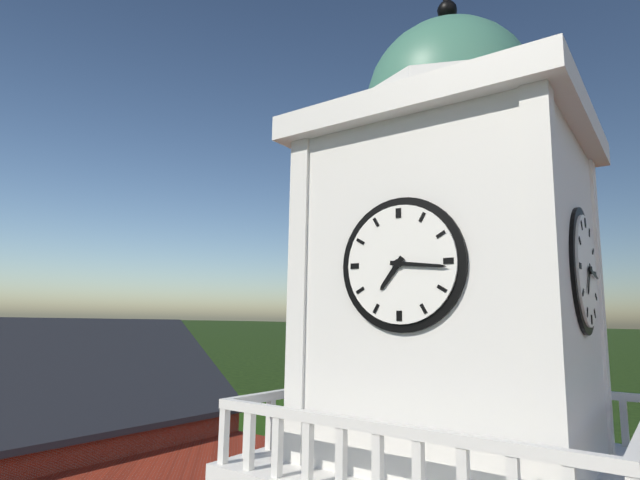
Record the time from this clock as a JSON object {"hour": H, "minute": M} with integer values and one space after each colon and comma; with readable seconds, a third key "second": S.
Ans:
{"hour": 7, "minute": 16}
